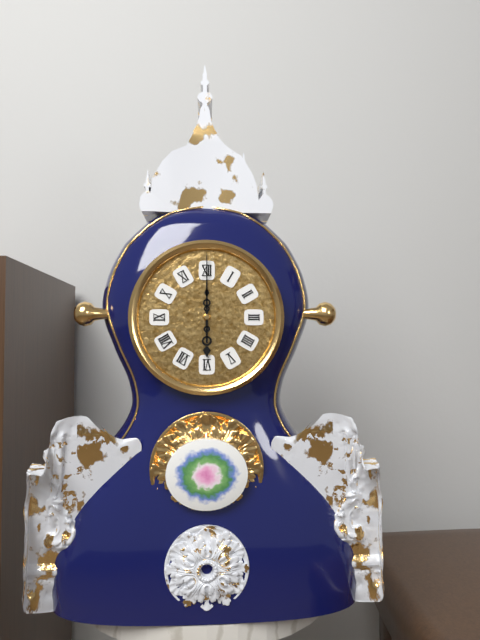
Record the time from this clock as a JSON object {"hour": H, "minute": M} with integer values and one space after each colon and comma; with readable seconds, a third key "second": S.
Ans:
{"hour": 6, "minute": 0}
